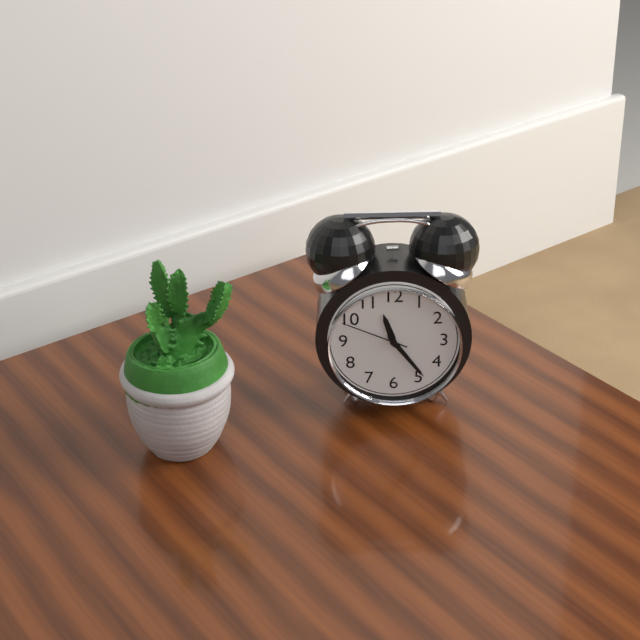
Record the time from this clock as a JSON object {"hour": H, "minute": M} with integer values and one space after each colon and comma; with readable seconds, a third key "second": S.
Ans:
{"hour": 11, "minute": 24, "second": 49}
